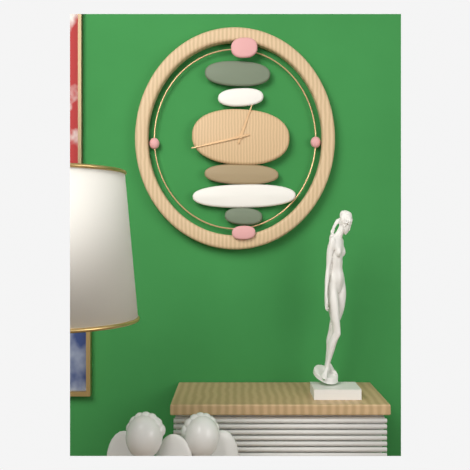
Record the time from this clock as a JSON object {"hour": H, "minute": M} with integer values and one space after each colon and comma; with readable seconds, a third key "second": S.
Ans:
{"hour": 12, "minute": 43}
